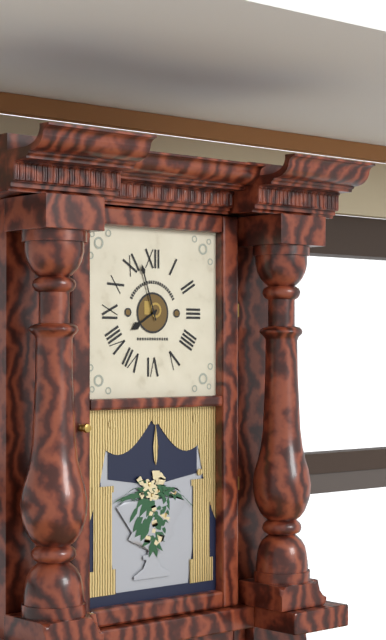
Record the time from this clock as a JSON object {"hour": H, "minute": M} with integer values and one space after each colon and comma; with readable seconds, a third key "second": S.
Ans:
{"hour": 7, "minute": 57}
